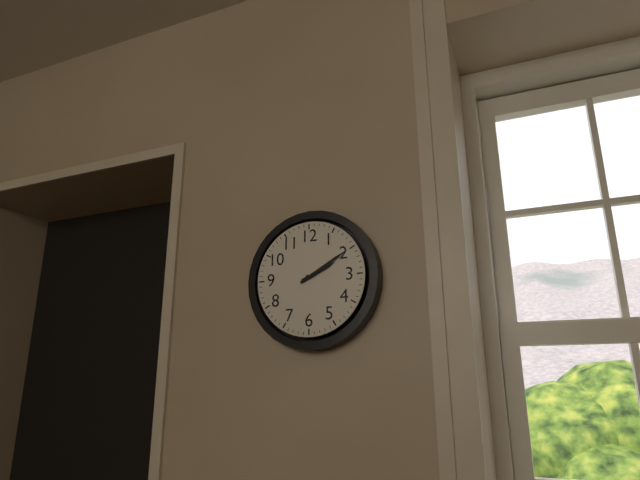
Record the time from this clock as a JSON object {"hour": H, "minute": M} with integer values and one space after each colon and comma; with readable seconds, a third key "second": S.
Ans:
{"hour": 2, "minute": 10}
